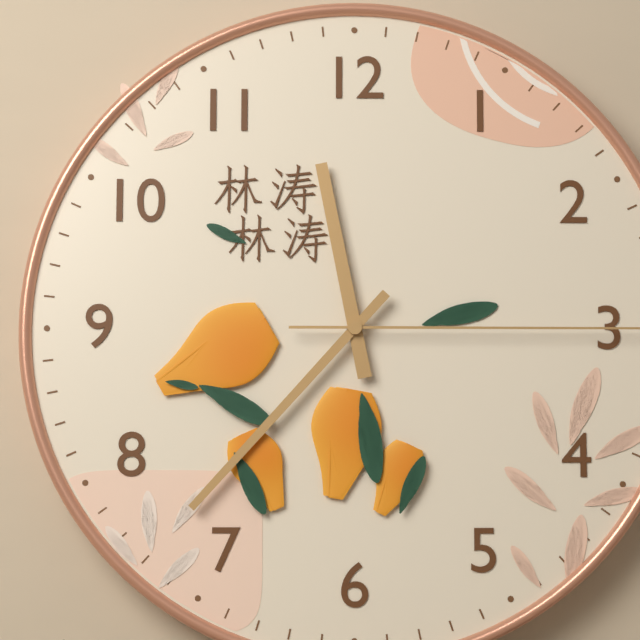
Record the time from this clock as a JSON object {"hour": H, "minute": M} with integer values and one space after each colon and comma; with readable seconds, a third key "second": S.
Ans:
{"hour": 11, "minute": 37}
